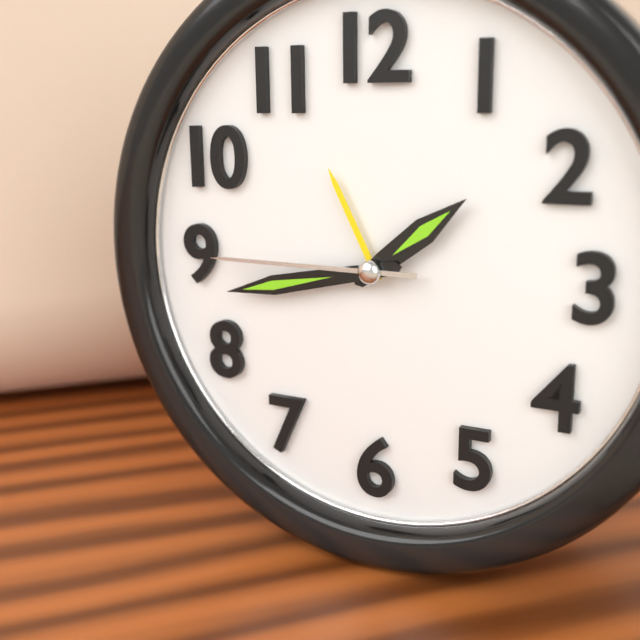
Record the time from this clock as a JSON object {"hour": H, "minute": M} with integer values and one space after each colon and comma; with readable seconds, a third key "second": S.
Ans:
{"hour": 1, "minute": 43, "second": 45}
